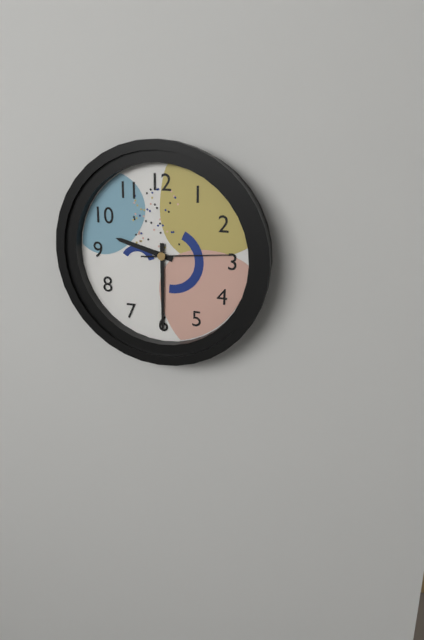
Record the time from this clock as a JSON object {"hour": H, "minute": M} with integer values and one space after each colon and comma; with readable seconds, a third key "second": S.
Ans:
{"hour": 9, "minute": 30, "second": 14}
